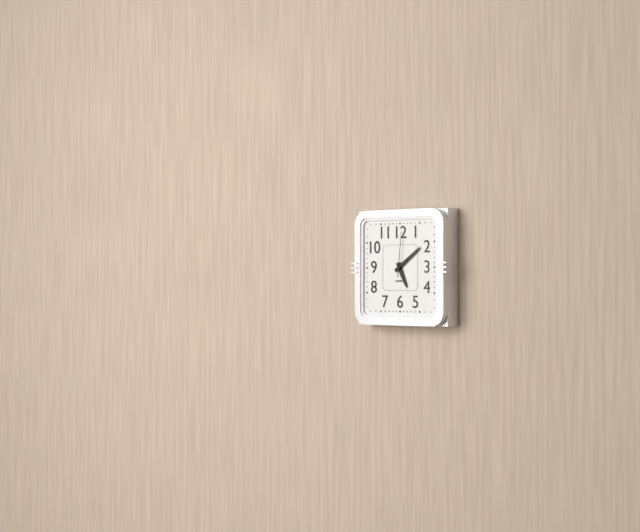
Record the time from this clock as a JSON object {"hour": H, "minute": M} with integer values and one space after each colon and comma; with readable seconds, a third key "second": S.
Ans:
{"hour": 5, "minute": 9}
